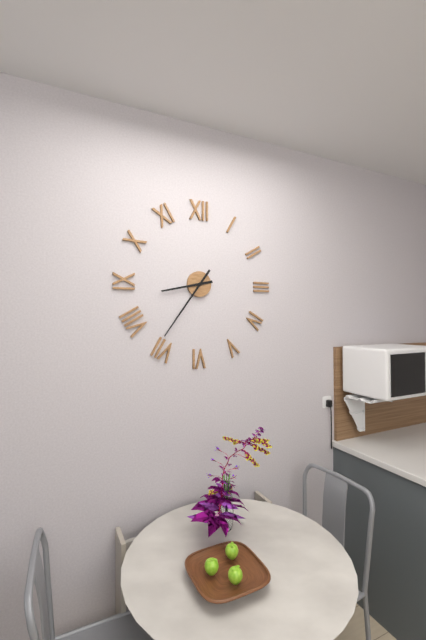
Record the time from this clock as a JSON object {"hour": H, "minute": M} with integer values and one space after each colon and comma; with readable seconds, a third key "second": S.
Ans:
{"hour": 8, "minute": 36}
